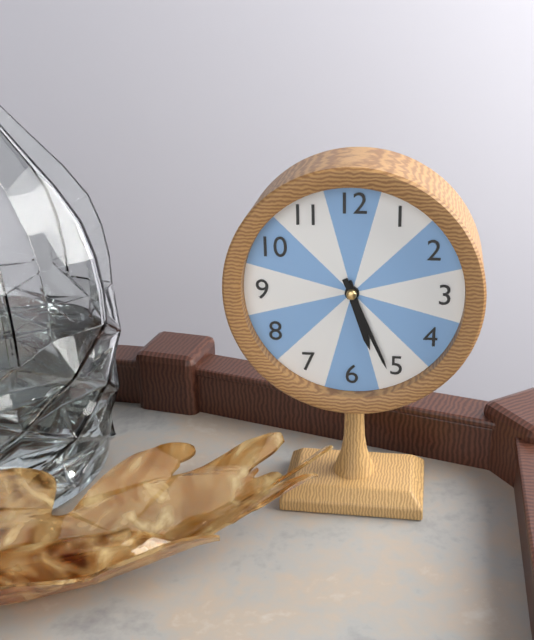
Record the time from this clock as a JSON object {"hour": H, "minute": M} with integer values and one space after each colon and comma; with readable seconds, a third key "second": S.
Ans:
{"hour": 5, "minute": 26}
